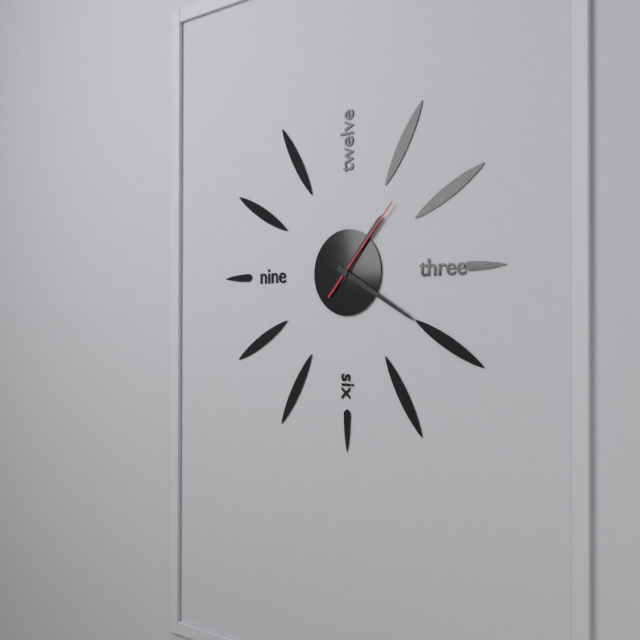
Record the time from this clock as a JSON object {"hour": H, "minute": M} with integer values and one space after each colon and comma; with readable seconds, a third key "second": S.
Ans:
{"hour": 1, "minute": 20, "second": 7}
